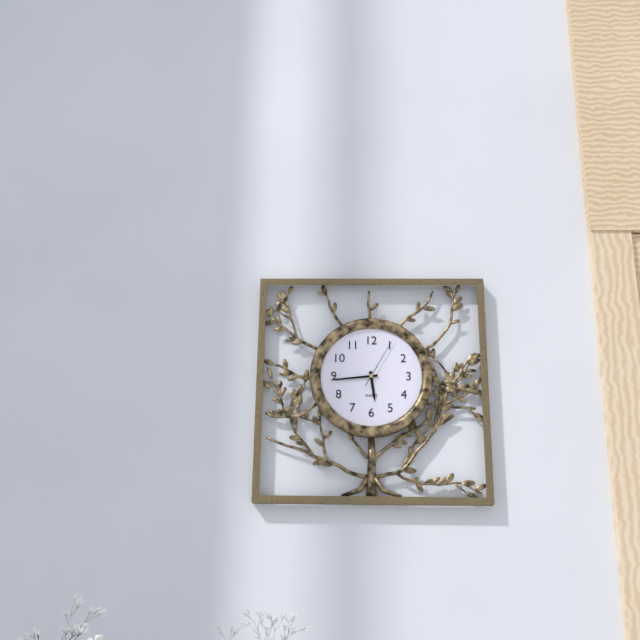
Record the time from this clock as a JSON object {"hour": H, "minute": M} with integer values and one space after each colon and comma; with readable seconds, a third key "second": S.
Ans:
{"hour": 5, "minute": 44, "second": 5}
